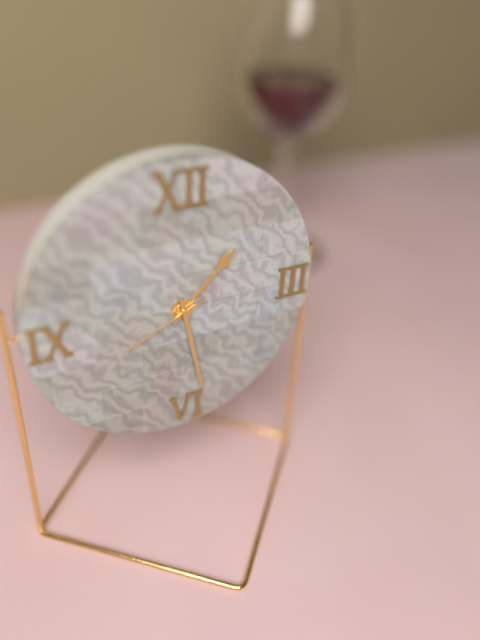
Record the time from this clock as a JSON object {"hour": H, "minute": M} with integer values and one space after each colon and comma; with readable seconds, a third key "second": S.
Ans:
{"hour": 1, "minute": 28, "second": 41}
